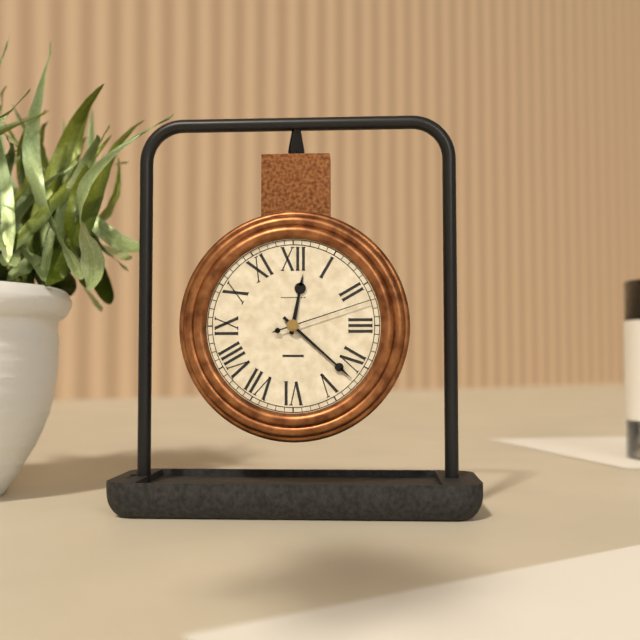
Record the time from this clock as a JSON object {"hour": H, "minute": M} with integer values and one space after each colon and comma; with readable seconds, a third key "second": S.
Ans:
{"hour": 12, "minute": 22, "second": 12}
